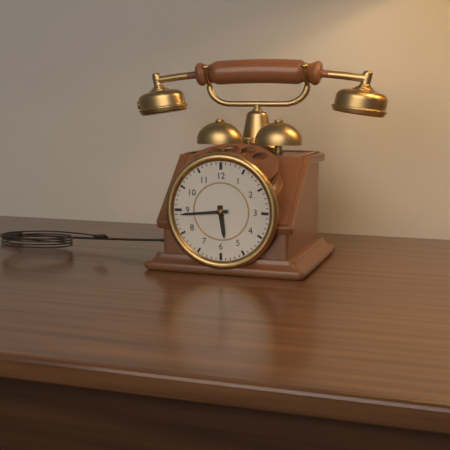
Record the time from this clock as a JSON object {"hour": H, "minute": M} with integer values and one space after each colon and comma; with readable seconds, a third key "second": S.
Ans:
{"hour": 5, "minute": 44}
